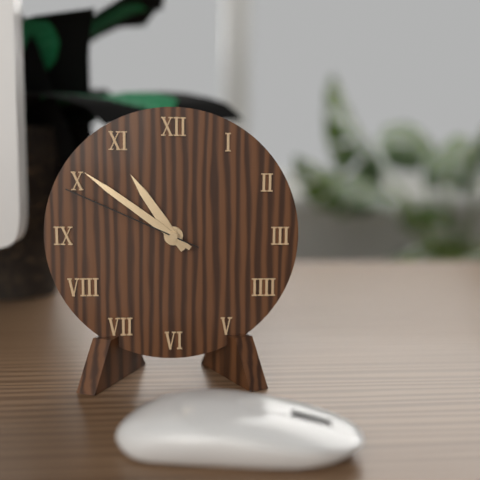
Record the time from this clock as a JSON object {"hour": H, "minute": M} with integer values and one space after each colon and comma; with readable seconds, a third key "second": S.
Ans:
{"hour": 10, "minute": 51, "second": 49}
